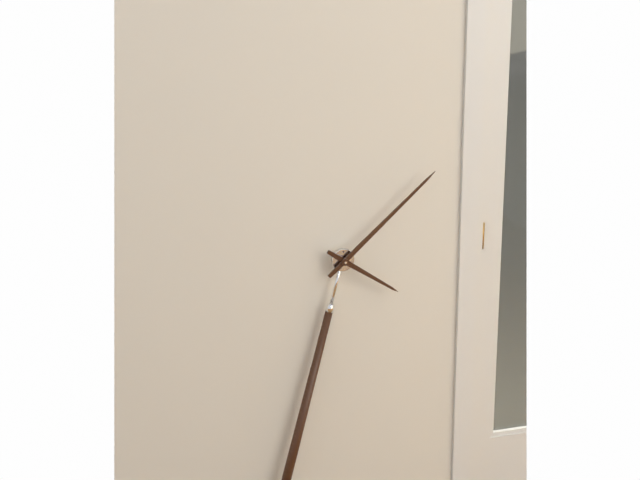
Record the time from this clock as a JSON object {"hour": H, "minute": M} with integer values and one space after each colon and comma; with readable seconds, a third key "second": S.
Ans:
{"hour": 4, "minute": 8}
